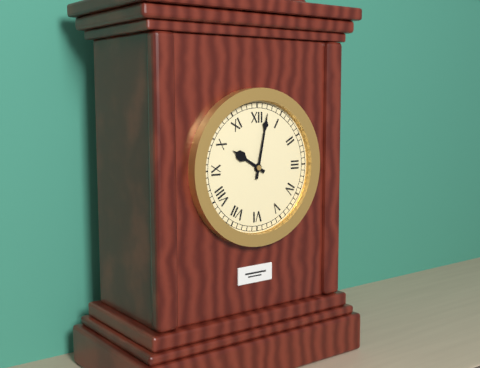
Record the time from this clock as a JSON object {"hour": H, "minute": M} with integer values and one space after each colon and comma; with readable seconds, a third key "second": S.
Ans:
{"hour": 10, "minute": 2}
